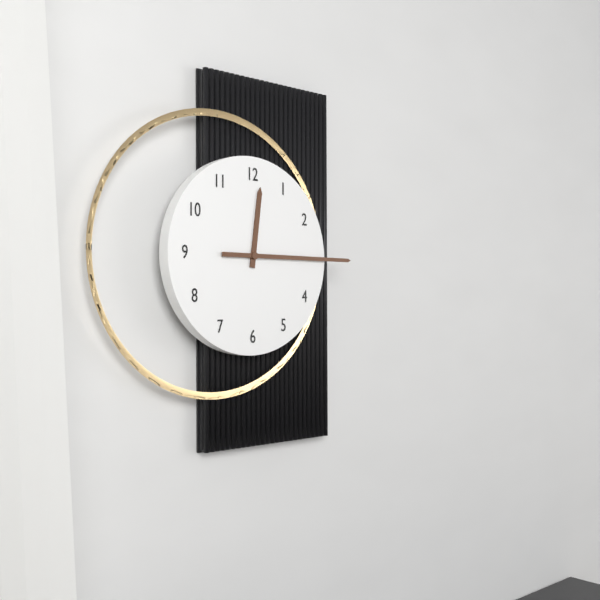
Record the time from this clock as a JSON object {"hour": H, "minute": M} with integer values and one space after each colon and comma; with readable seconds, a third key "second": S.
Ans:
{"hour": 12, "minute": 15}
